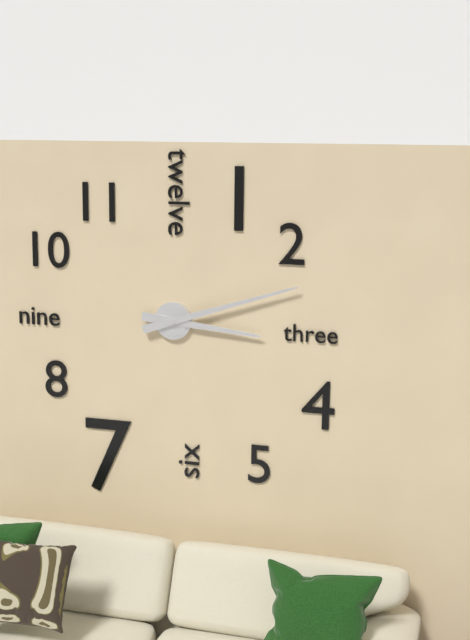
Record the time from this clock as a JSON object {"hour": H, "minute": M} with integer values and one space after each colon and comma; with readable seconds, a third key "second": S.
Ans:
{"hour": 3, "minute": 12}
